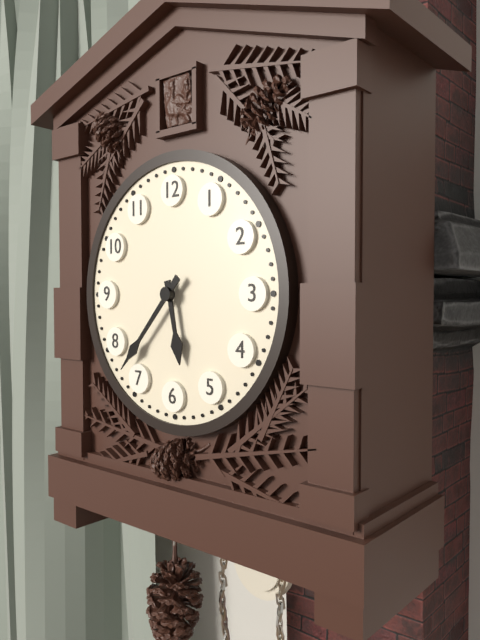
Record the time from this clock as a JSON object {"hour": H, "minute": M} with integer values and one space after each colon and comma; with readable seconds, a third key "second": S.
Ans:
{"hour": 5, "minute": 37}
